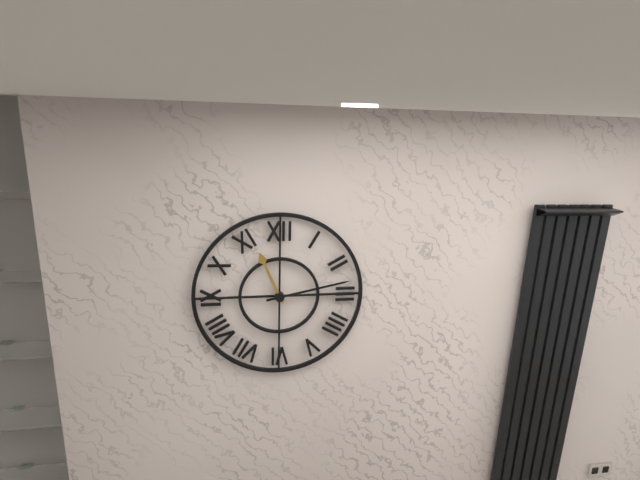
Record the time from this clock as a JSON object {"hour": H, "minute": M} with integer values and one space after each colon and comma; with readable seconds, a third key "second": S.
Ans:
{"hour": 11, "minute": 13}
